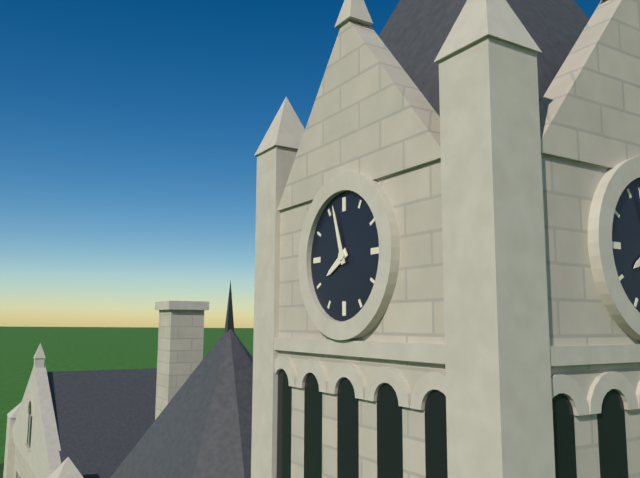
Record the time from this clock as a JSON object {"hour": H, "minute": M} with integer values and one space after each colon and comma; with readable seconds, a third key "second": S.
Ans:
{"hour": 7, "minute": 57}
